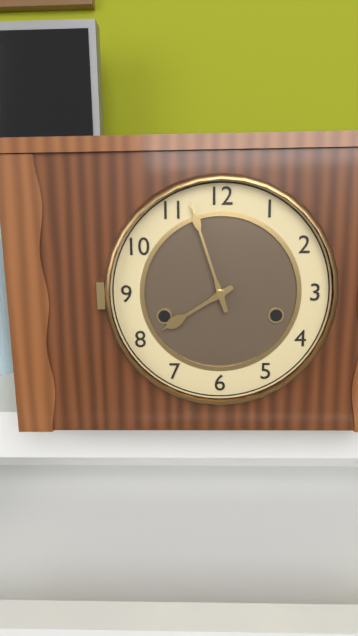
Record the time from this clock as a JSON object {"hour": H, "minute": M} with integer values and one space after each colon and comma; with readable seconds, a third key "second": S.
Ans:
{"hour": 7, "minute": 57}
